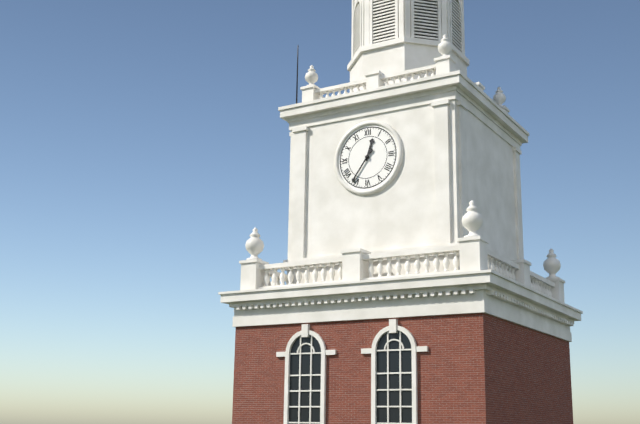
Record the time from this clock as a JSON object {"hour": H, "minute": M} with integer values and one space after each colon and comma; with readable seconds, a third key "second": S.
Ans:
{"hour": 12, "minute": 36}
